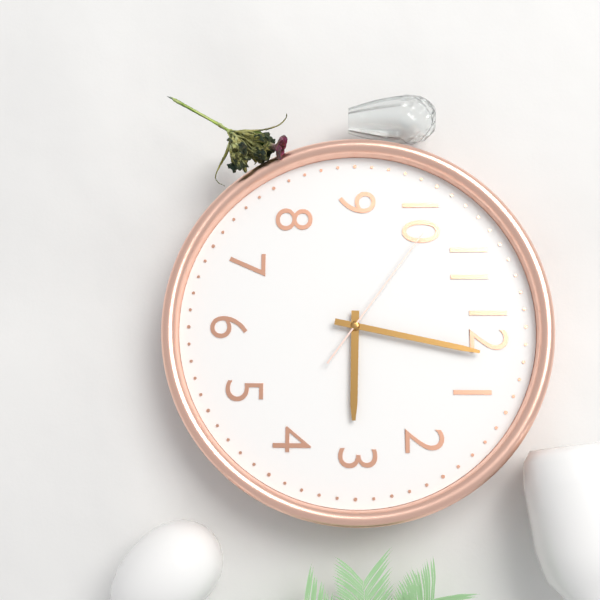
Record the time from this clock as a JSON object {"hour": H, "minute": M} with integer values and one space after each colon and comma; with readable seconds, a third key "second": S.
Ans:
{"hour": 3, "minute": 2, "second": 51}
